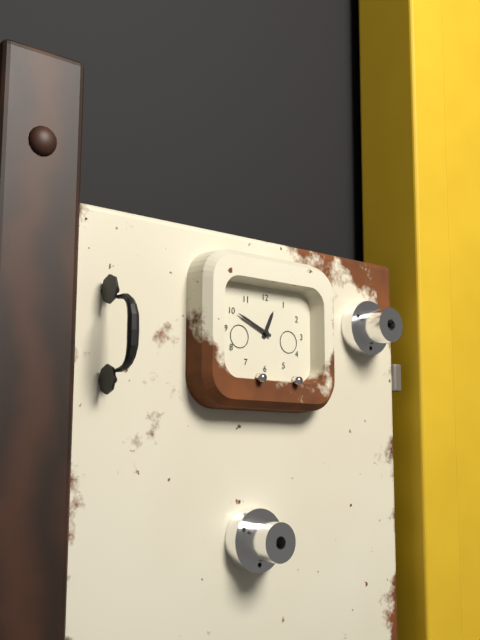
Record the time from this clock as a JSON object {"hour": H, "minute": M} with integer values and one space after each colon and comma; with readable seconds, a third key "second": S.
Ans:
{"hour": 12, "minute": 49}
